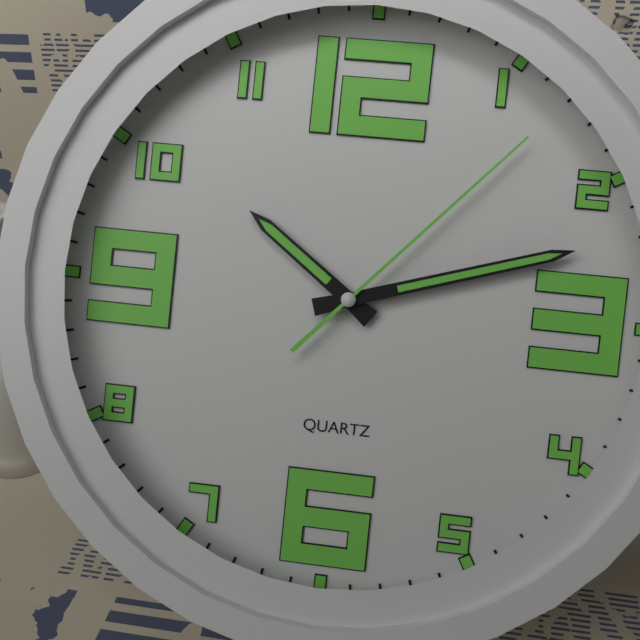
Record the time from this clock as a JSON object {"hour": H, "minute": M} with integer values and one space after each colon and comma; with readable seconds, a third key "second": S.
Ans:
{"hour": 10, "minute": 12, "second": 7}
